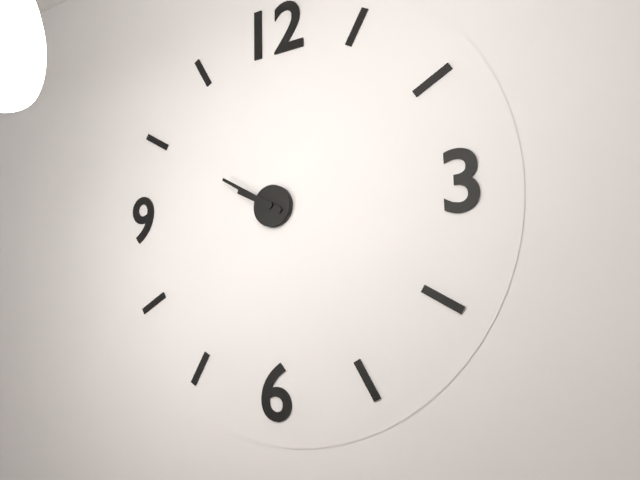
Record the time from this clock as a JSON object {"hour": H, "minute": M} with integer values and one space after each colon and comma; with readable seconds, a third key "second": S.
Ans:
{"hour": 9, "minute": 50}
